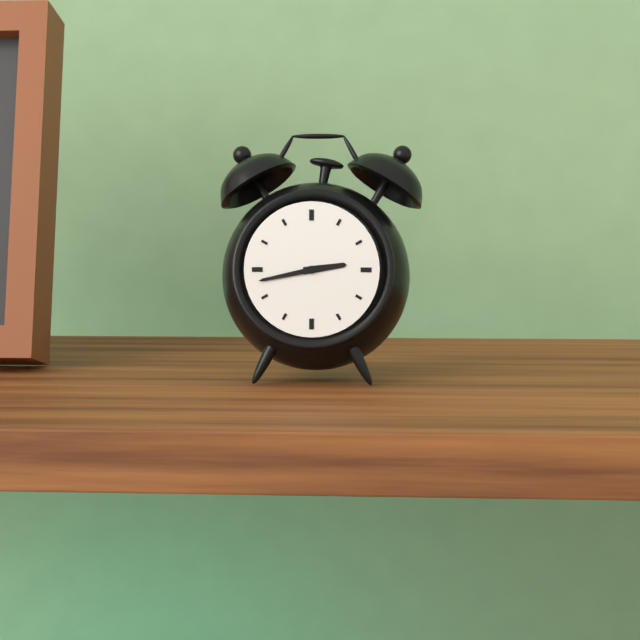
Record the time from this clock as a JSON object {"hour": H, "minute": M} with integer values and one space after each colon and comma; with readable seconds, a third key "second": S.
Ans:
{"hour": 2, "minute": 43}
